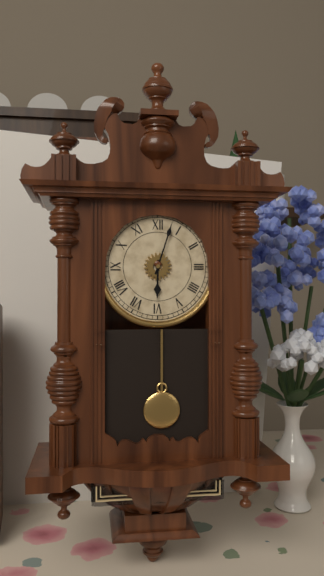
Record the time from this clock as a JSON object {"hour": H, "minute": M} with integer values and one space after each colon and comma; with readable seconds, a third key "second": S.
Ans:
{"hour": 6, "minute": 3}
